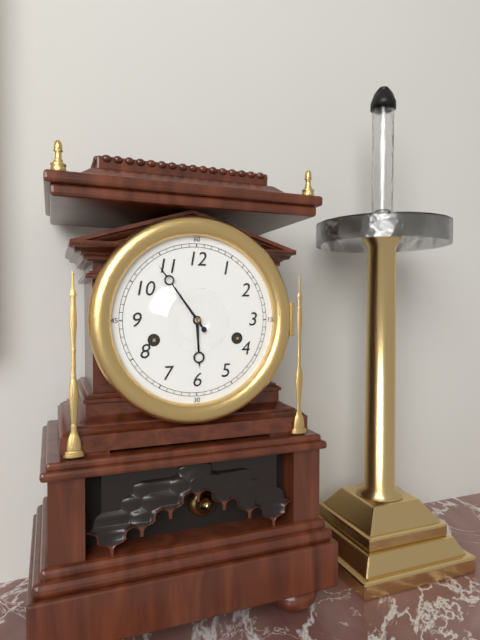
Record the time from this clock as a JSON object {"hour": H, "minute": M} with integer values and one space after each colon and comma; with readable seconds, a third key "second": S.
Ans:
{"hour": 5, "minute": 54}
